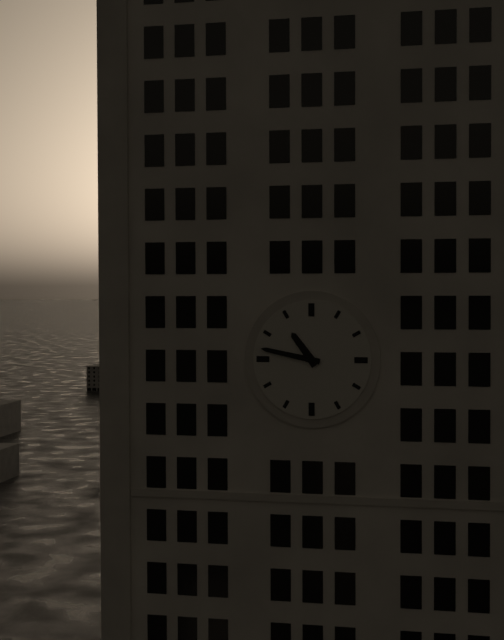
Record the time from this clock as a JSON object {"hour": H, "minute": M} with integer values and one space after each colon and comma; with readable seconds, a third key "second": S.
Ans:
{"hour": 10, "minute": 47}
